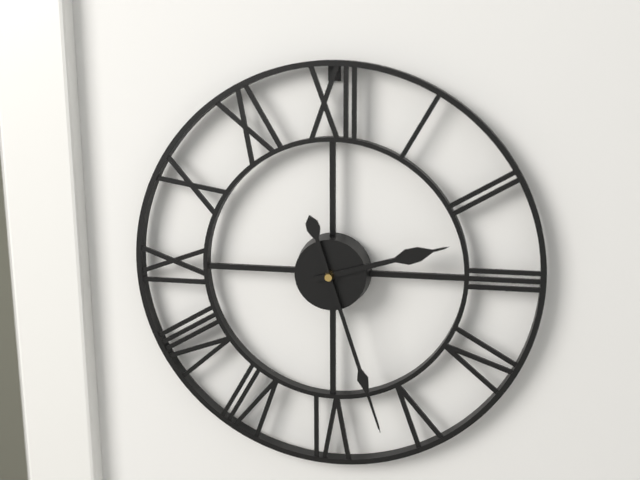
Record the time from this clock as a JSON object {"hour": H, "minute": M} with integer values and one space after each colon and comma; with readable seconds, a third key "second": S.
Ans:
{"hour": 2, "minute": 27}
